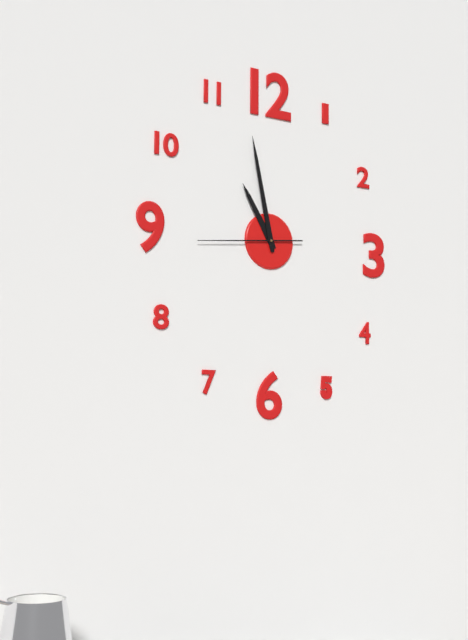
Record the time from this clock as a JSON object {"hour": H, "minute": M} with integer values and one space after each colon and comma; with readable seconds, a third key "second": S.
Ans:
{"hour": 10, "minute": 58, "second": 44}
